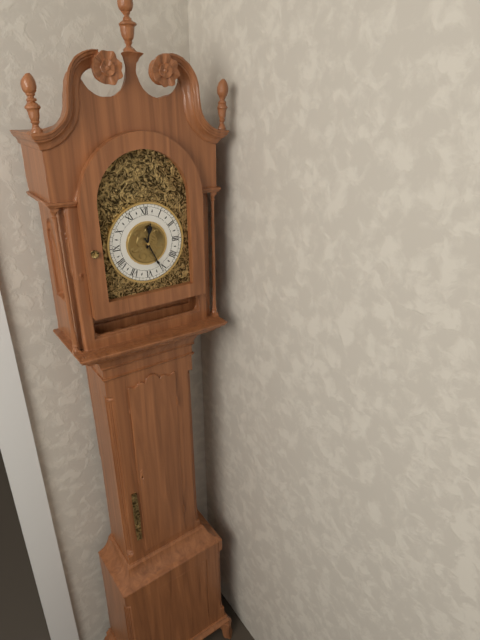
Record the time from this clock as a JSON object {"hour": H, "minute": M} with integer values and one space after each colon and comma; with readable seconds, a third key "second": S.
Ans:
{"hour": 12, "minute": 26}
